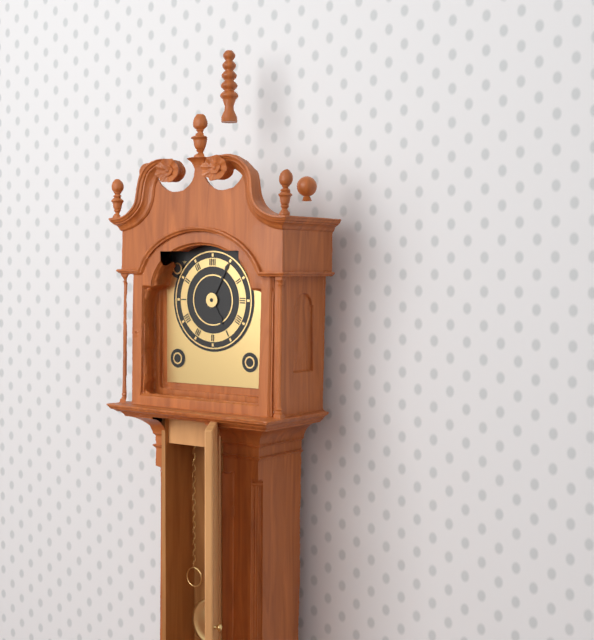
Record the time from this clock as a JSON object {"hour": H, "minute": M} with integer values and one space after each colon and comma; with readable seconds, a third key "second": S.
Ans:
{"hour": 5, "minute": 5}
